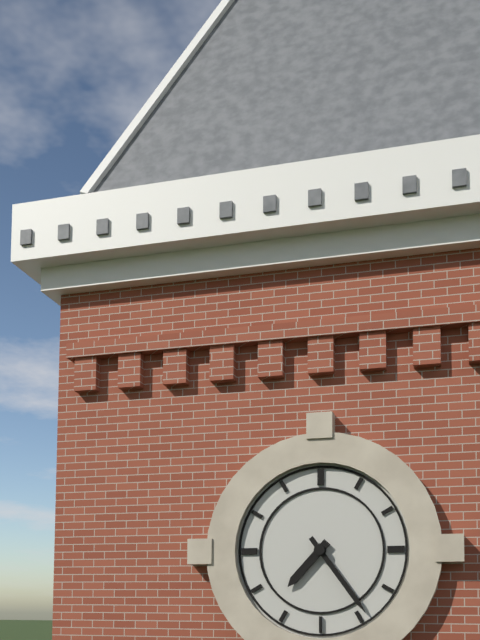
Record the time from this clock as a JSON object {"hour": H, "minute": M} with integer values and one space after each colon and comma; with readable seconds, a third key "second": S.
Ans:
{"hour": 7, "minute": 24}
